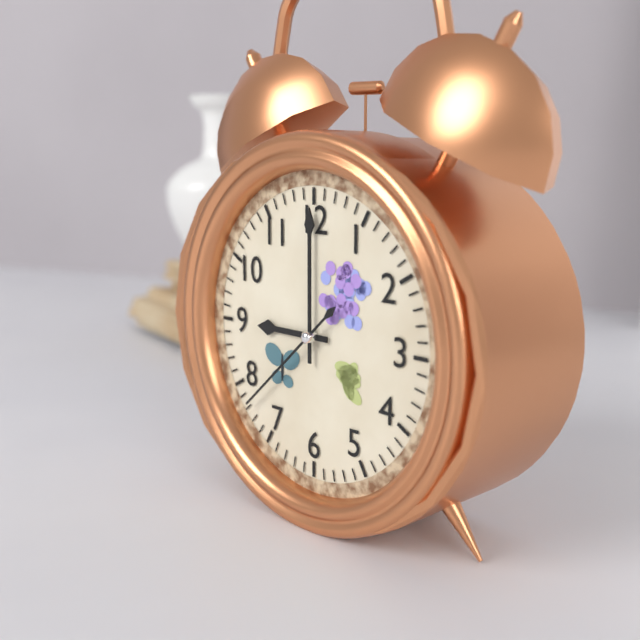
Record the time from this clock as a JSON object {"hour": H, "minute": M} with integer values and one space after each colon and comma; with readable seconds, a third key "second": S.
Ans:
{"hour": 9, "minute": 0, "second": 38}
